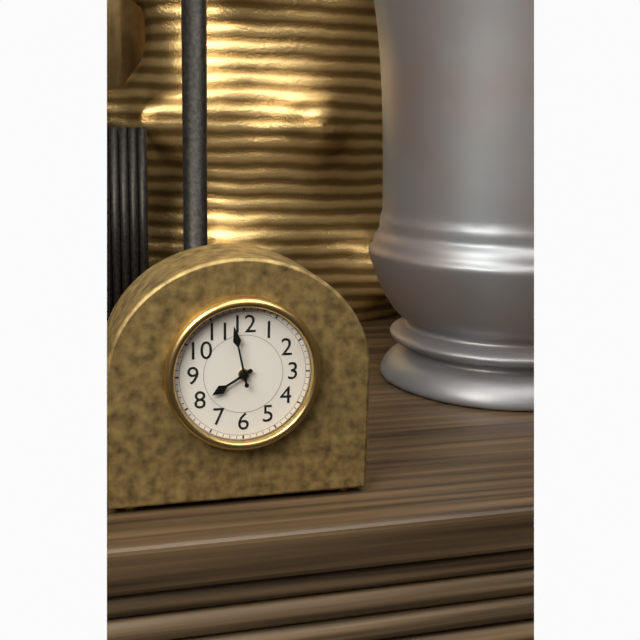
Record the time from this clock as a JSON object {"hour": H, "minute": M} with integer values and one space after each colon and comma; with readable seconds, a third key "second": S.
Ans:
{"hour": 7, "minute": 58}
